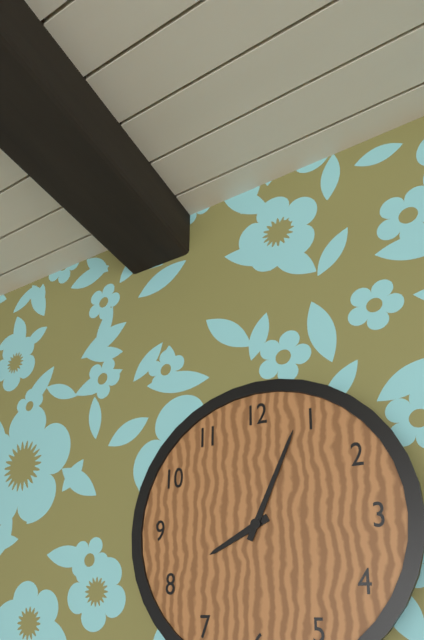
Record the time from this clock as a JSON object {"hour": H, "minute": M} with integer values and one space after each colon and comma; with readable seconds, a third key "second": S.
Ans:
{"hour": 8, "minute": 4}
